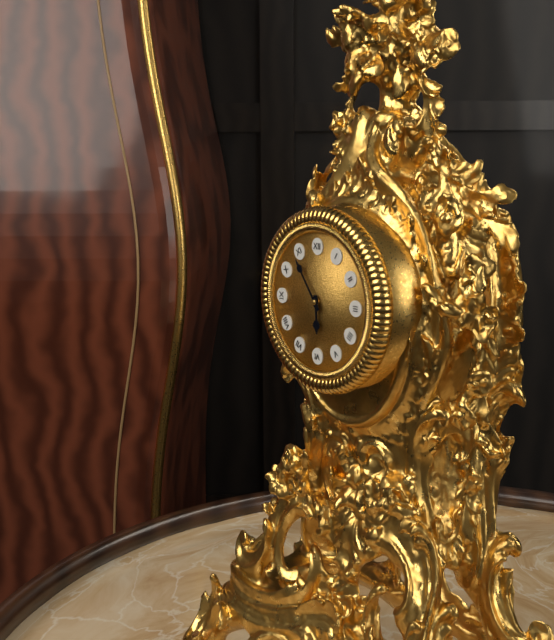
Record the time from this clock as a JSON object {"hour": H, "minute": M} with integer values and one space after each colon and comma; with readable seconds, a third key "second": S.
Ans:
{"hour": 5, "minute": 54}
